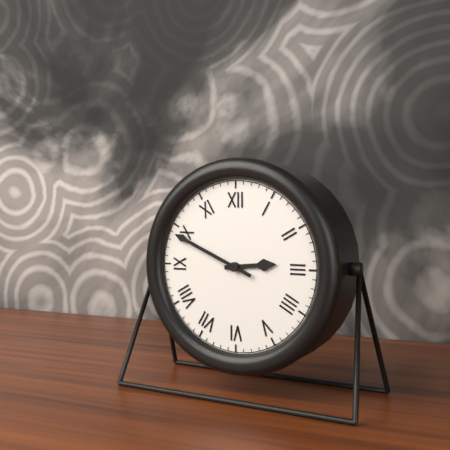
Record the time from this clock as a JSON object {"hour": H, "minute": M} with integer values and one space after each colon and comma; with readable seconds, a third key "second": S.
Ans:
{"hour": 2, "minute": 49}
